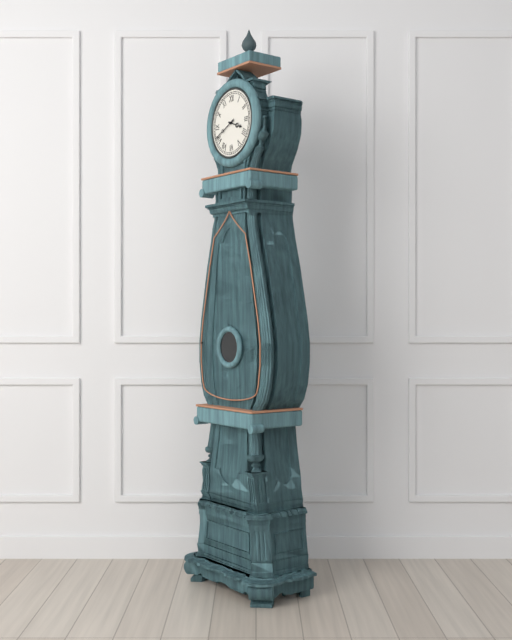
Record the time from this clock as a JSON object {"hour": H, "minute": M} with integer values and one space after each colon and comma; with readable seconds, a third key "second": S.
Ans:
{"hour": 3, "minute": 41}
